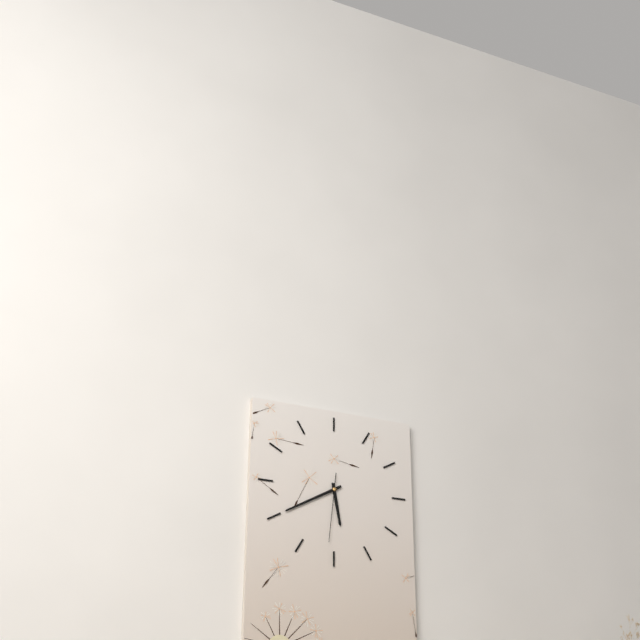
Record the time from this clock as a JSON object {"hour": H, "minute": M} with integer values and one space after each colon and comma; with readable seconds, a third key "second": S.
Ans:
{"hour": 5, "minute": 40, "second": 31}
